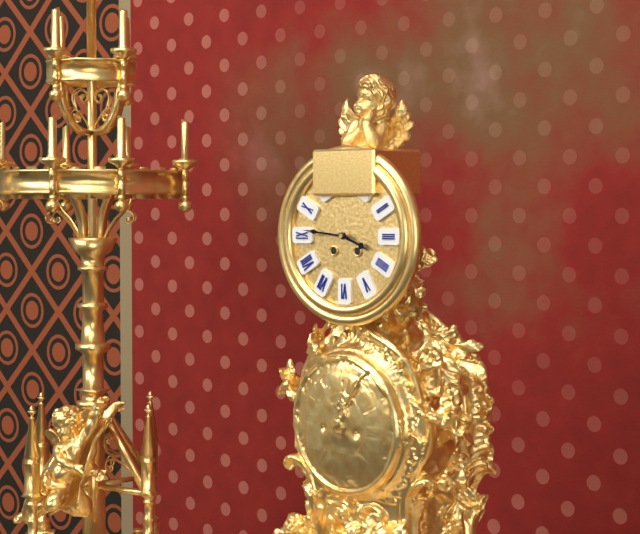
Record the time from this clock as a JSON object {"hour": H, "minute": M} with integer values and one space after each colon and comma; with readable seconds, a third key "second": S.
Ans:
{"hour": 3, "minute": 46}
